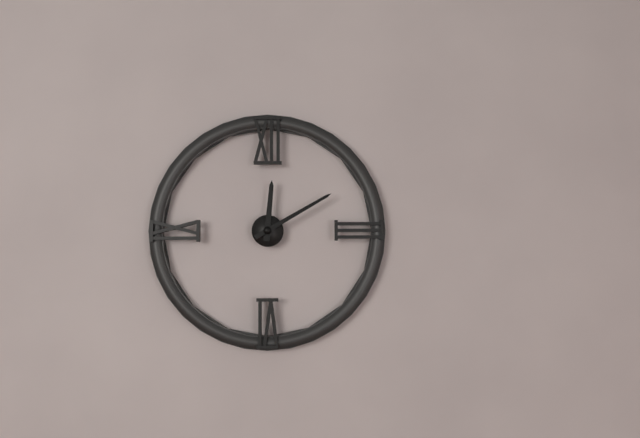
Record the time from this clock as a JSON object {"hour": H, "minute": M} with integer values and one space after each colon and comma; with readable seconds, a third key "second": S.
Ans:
{"hour": 12, "minute": 10}
